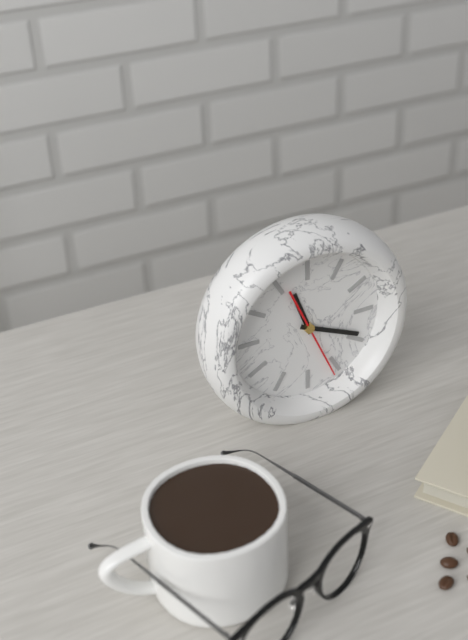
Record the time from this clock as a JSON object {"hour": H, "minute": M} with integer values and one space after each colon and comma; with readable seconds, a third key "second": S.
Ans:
{"hour": 11, "minute": 19, "second": 26}
